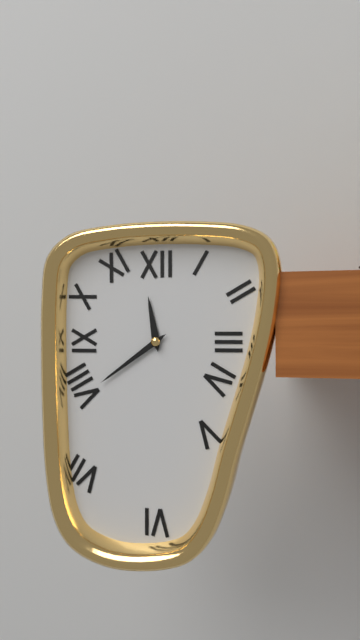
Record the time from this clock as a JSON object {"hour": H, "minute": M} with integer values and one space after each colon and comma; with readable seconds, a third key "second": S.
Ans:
{"hour": 11, "minute": 39}
